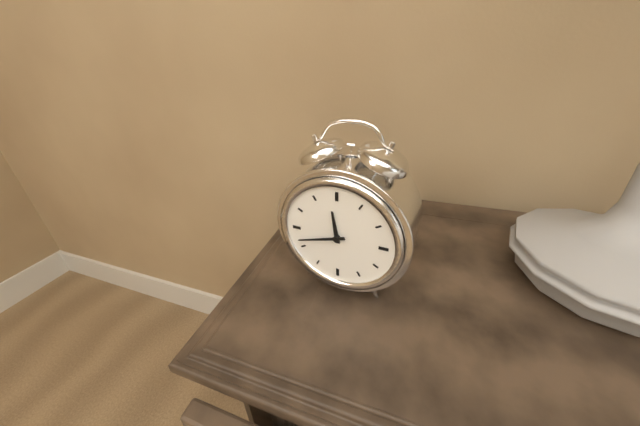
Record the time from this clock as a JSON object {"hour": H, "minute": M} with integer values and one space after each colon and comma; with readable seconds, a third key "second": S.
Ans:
{"hour": 11, "minute": 42}
